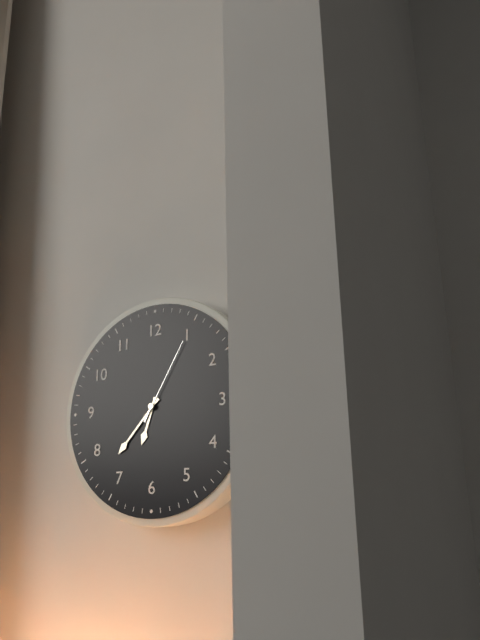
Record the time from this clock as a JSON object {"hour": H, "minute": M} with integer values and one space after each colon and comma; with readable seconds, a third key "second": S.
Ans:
{"hour": 6, "minute": 37, "second": 5}
